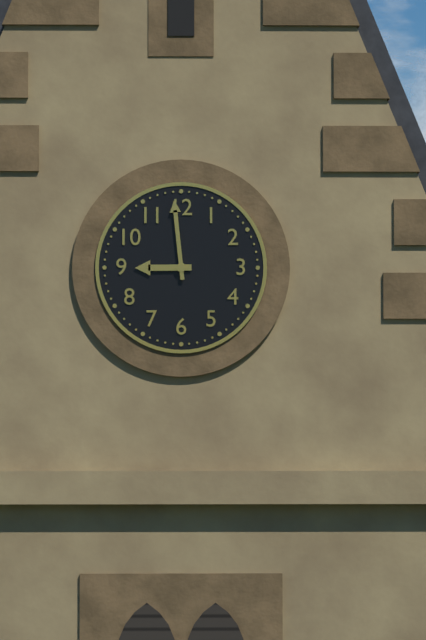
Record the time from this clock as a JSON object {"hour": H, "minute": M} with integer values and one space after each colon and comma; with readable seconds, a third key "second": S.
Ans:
{"hour": 8, "minute": 59}
